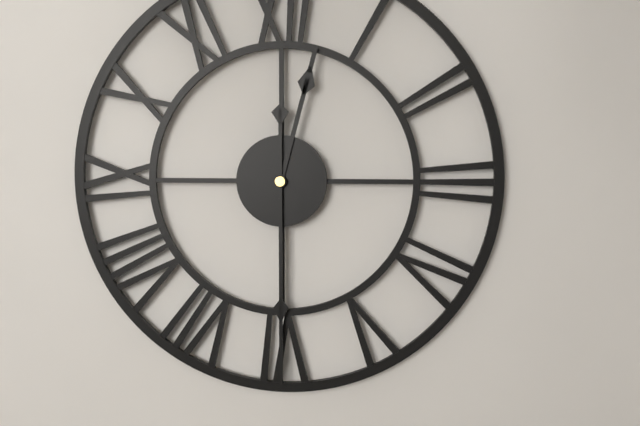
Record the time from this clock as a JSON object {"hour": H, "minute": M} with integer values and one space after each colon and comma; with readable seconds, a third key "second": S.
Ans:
{"hour": 12, "minute": 30}
